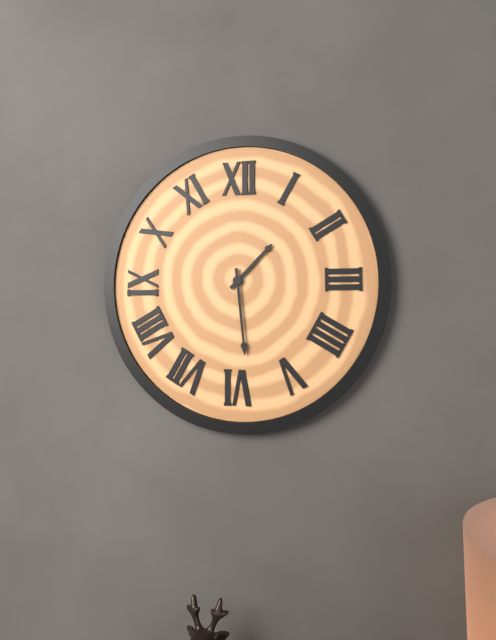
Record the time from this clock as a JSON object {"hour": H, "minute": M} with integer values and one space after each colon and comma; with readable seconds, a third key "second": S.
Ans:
{"hour": 1, "minute": 29}
